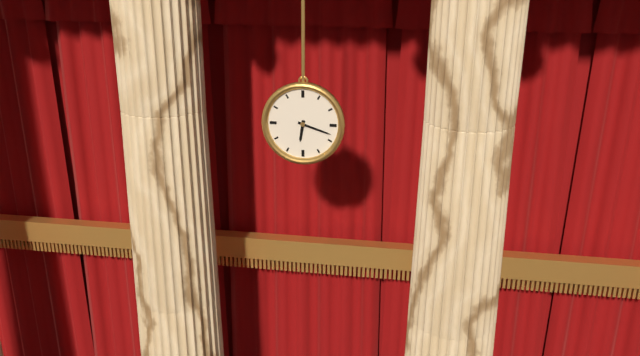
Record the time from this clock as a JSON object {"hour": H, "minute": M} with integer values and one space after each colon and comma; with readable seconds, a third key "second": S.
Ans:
{"hour": 6, "minute": 18}
